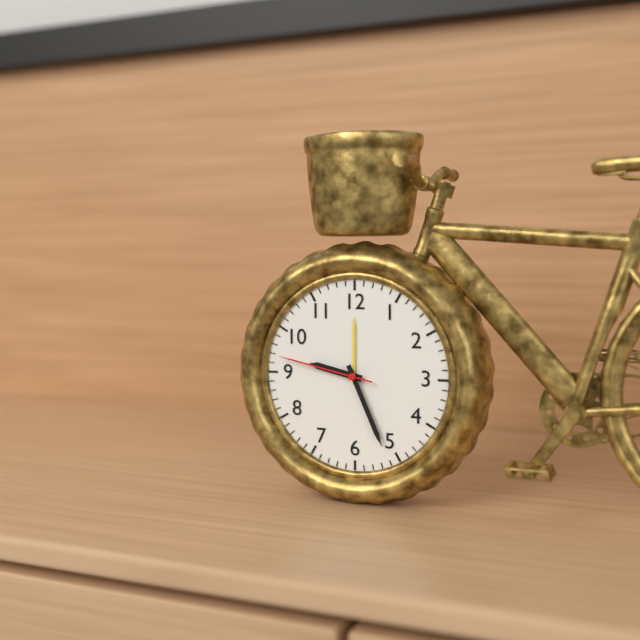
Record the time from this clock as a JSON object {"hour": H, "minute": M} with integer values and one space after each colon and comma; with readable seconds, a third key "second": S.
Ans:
{"hour": 9, "minute": 26, "second": 47}
